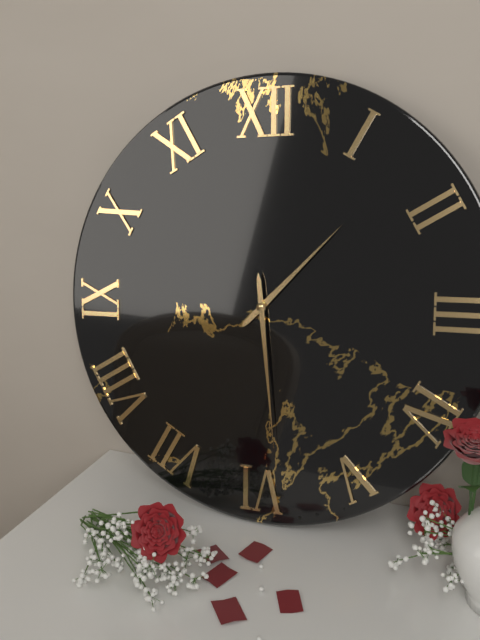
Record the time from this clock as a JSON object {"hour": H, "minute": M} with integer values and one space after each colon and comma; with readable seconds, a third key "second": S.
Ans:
{"hour": 1, "minute": 29}
